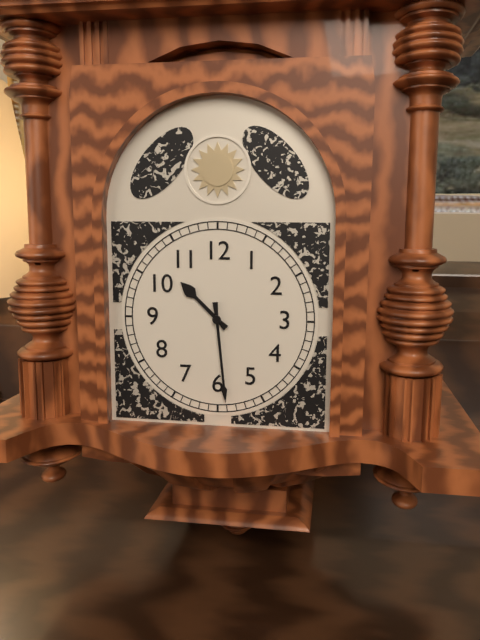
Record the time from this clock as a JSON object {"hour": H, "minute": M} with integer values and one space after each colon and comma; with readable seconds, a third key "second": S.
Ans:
{"hour": 10, "minute": 29}
